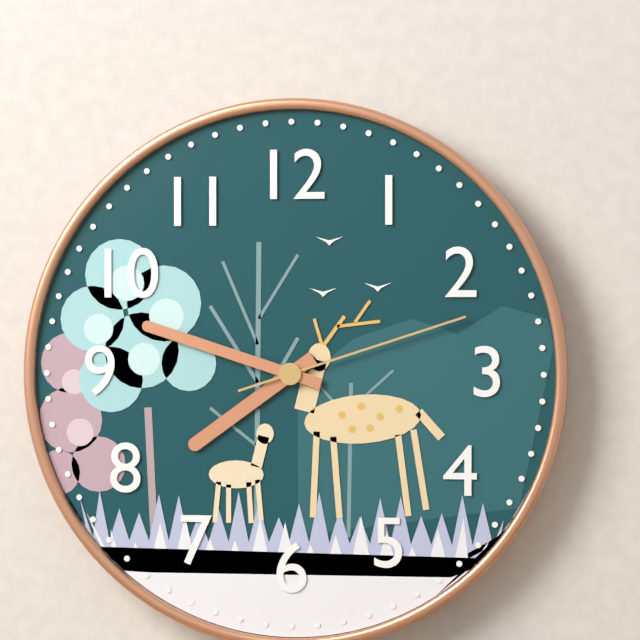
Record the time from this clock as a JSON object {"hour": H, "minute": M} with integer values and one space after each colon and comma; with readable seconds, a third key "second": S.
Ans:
{"hour": 7, "minute": 48, "second": 12}
